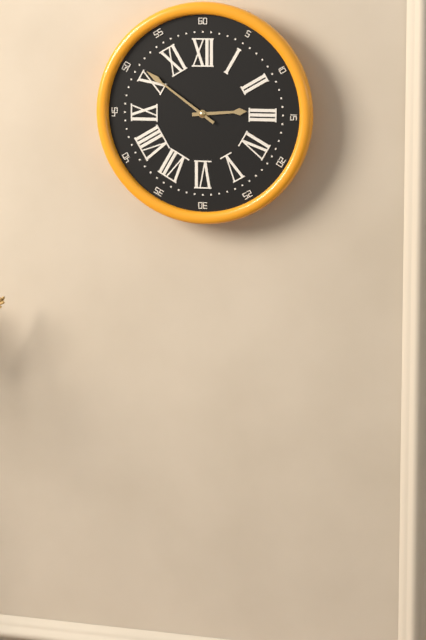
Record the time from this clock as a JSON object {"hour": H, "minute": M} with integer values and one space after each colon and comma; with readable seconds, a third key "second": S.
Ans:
{"hour": 2, "minute": 51}
